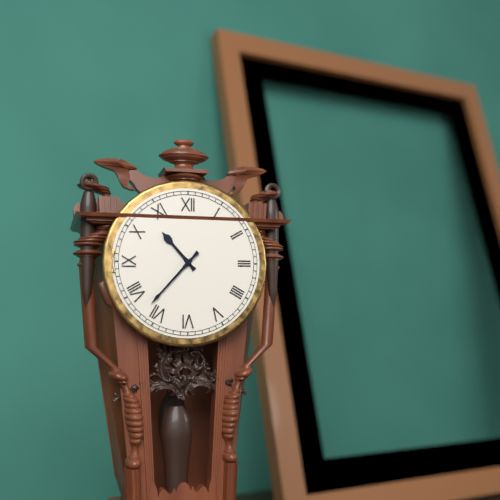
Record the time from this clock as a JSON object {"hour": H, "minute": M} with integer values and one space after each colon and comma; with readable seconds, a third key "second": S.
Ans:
{"hour": 10, "minute": 37}
